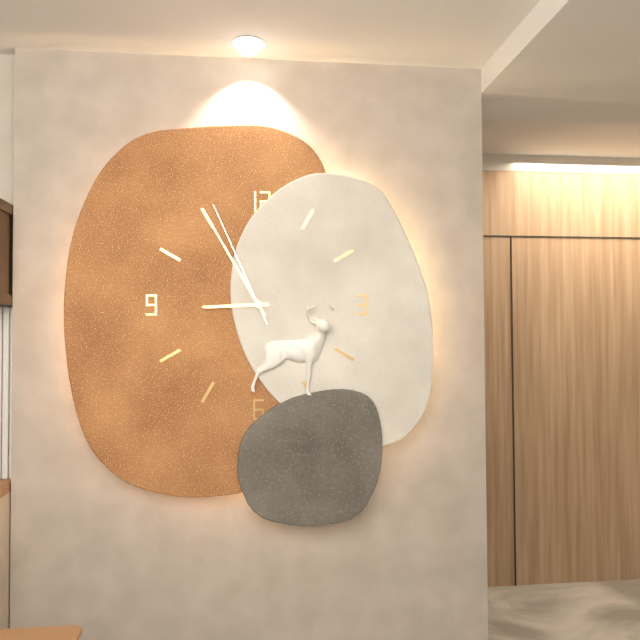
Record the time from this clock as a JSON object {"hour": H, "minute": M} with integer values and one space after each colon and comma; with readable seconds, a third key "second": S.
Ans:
{"hour": 8, "minute": 55, "second": 56}
